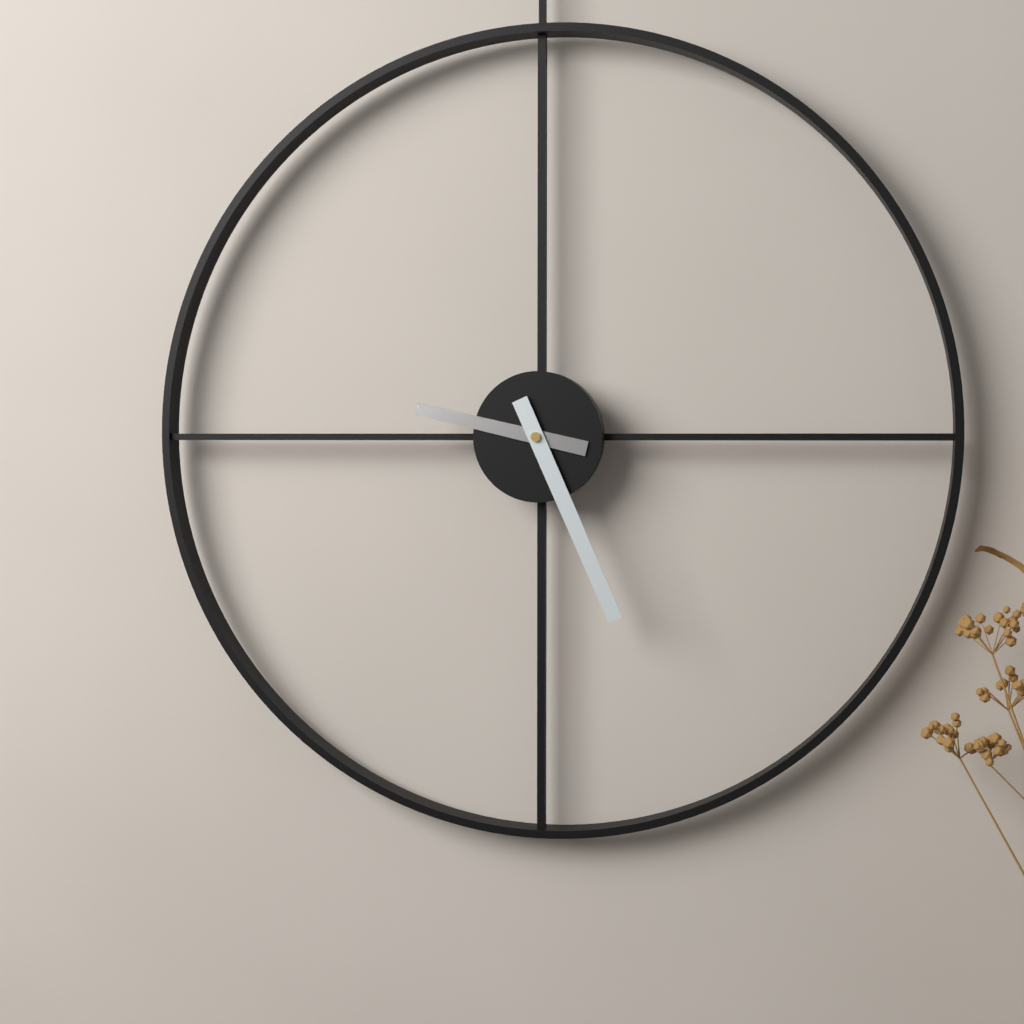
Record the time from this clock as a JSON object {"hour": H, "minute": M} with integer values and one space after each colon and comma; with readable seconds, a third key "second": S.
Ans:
{"hour": 9, "minute": 26}
